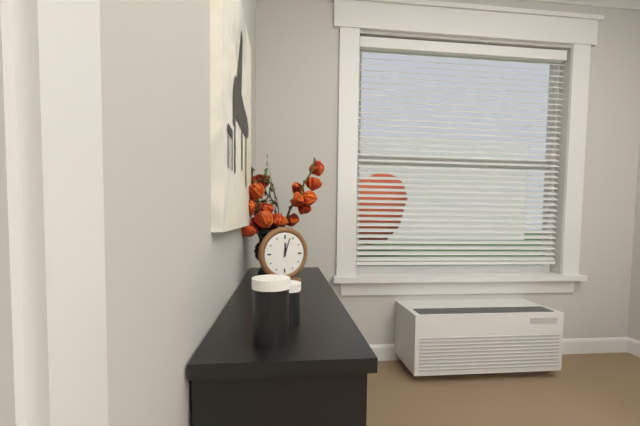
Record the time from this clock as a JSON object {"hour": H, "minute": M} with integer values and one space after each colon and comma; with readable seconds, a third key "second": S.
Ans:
{"hour": 12, "minute": 3}
